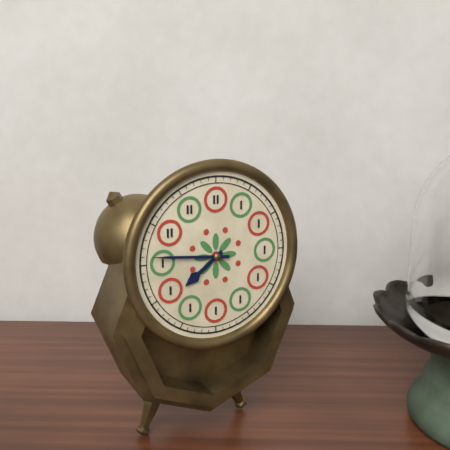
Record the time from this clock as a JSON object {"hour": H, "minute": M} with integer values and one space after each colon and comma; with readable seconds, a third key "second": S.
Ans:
{"hour": 7, "minute": 46}
